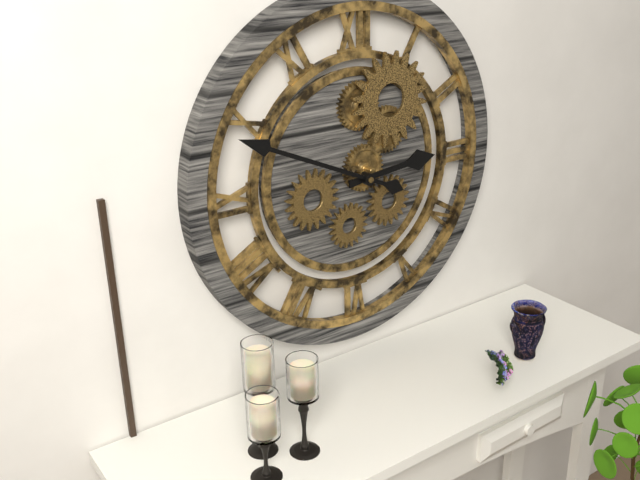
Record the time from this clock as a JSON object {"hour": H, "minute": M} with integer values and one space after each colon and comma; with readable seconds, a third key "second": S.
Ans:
{"hour": 2, "minute": 49}
